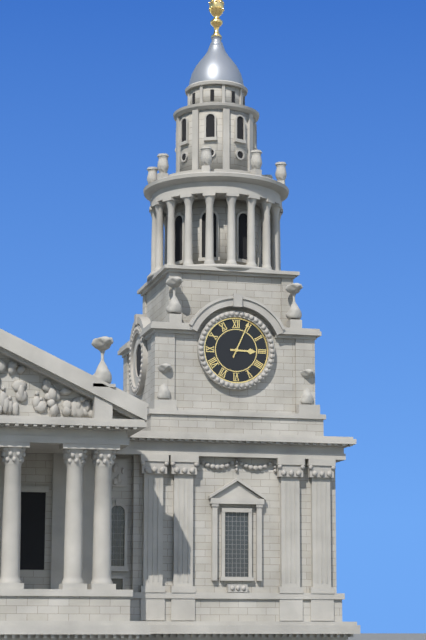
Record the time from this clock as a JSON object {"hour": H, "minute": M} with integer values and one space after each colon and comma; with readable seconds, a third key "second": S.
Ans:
{"hour": 3, "minute": 4}
